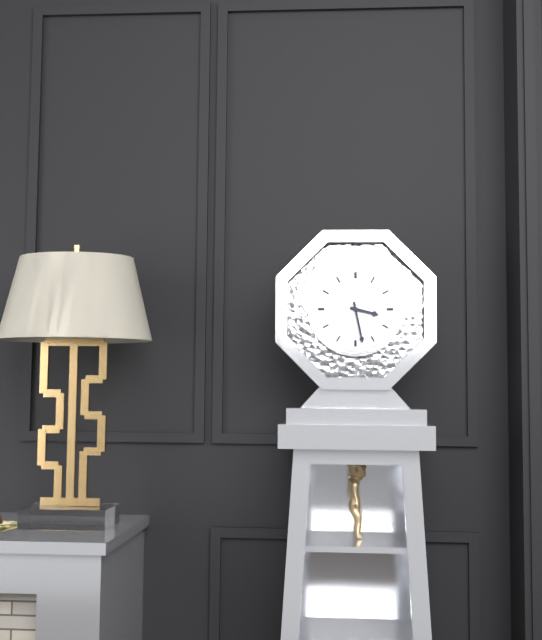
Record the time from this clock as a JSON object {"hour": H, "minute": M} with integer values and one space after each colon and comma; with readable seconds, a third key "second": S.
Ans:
{"hour": 3, "minute": 28}
